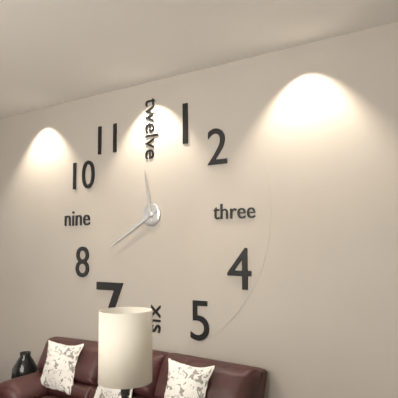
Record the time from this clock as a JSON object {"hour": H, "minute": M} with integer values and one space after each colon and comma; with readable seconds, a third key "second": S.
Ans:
{"hour": 11, "minute": 40}
